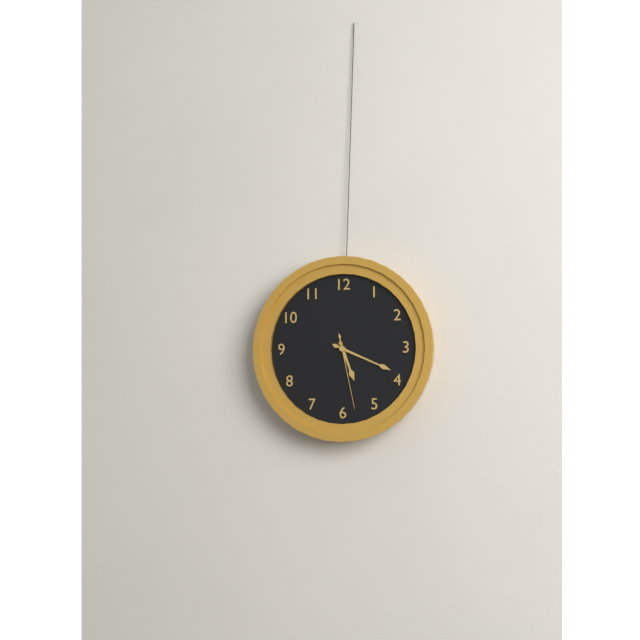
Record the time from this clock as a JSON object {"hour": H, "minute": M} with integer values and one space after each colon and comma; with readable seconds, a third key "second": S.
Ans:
{"hour": 5, "minute": 19, "second": 28}
